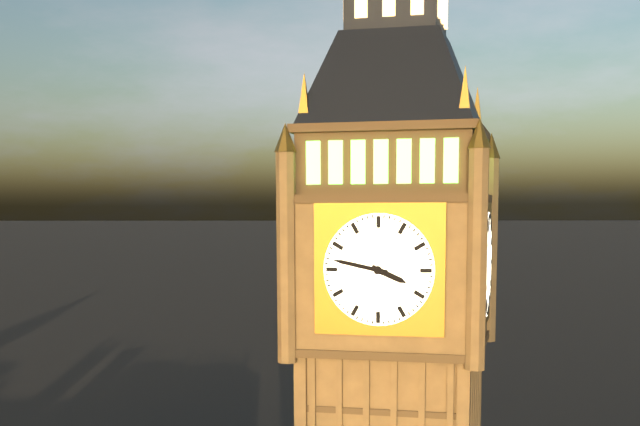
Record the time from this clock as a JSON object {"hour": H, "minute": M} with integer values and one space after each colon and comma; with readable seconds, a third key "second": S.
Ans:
{"hour": 3, "minute": 47}
